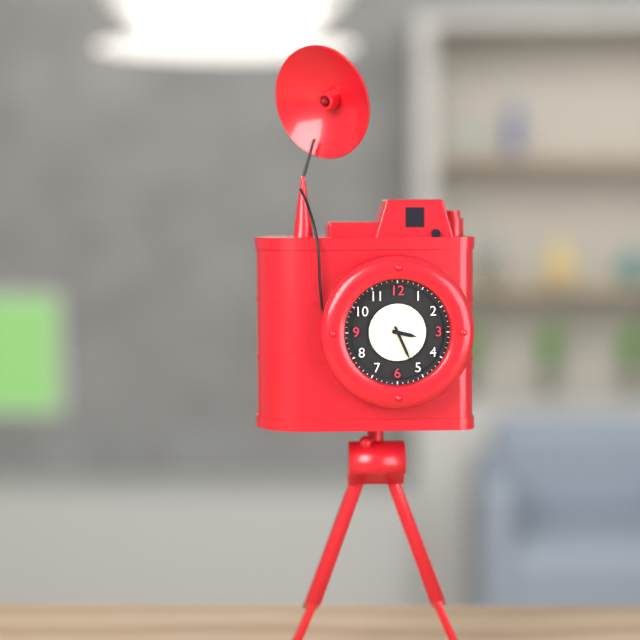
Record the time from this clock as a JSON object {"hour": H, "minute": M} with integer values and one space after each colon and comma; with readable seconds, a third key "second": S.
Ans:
{"hour": 3, "minute": 26}
